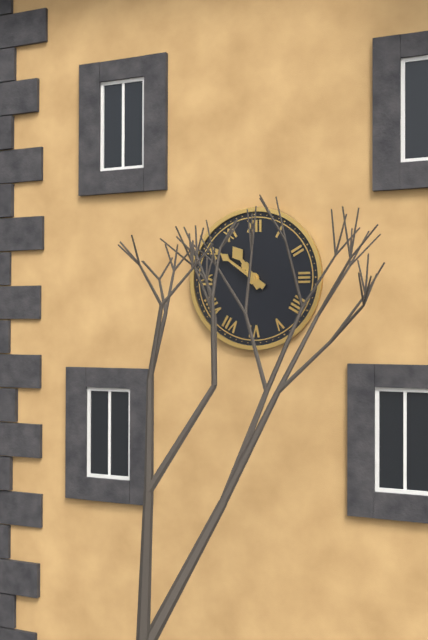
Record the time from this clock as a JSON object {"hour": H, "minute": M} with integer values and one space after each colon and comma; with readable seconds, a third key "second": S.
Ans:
{"hour": 10, "minute": 51}
